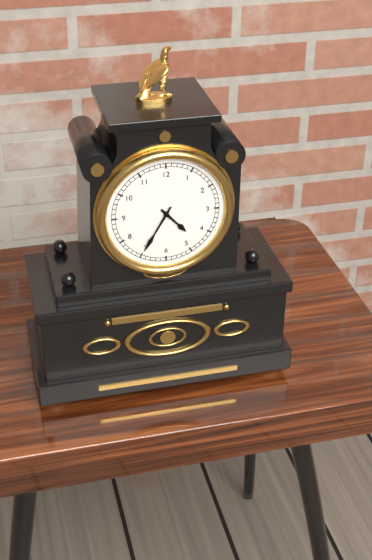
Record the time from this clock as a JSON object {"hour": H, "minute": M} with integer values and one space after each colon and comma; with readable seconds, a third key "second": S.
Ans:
{"hour": 4, "minute": 35}
